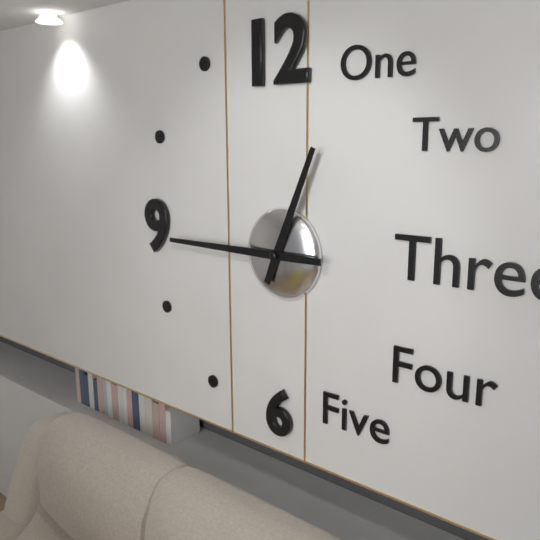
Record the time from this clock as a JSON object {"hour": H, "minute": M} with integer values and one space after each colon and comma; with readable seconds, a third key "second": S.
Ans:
{"hour": 12, "minute": 45}
